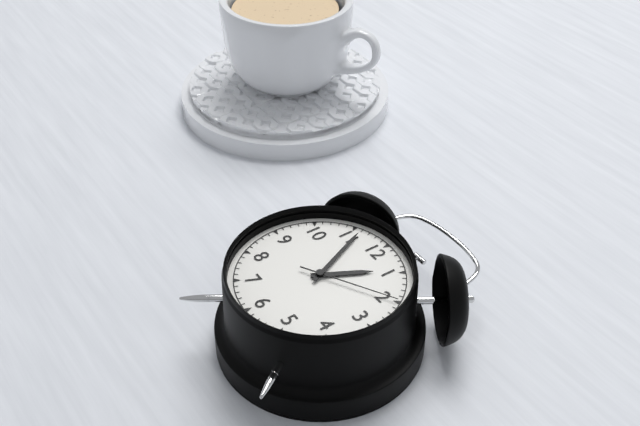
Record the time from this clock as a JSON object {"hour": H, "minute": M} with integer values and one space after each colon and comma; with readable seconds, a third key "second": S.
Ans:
{"hour": 12, "minute": 56, "second": 10}
